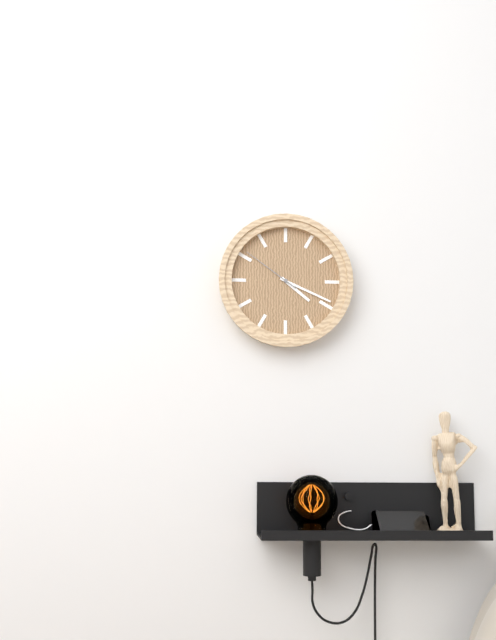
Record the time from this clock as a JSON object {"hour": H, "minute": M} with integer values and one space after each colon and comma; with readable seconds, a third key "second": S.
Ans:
{"hour": 4, "minute": 19, "second": 51}
